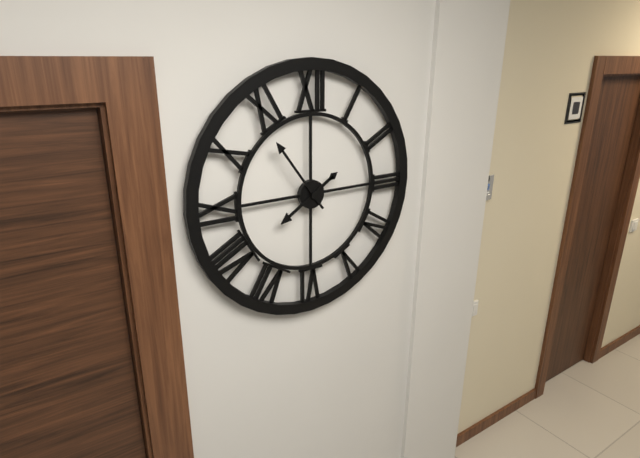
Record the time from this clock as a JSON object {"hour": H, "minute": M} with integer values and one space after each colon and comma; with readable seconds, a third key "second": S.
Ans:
{"hour": 7, "minute": 54}
